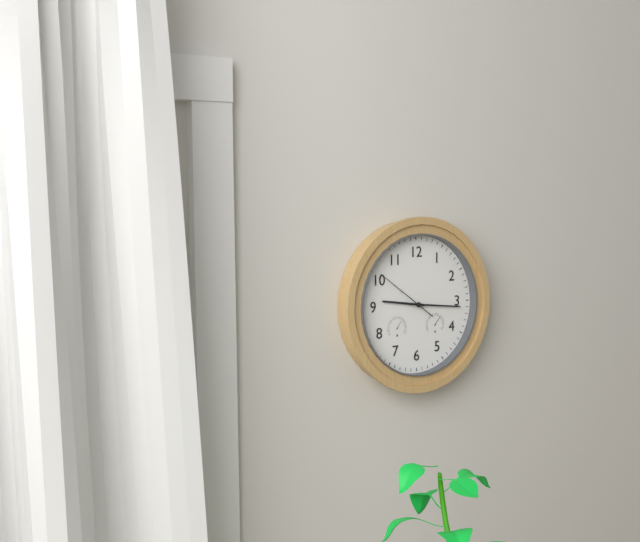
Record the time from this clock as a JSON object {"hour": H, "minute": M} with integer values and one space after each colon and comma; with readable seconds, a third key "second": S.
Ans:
{"hour": 9, "minute": 16, "second": 51}
